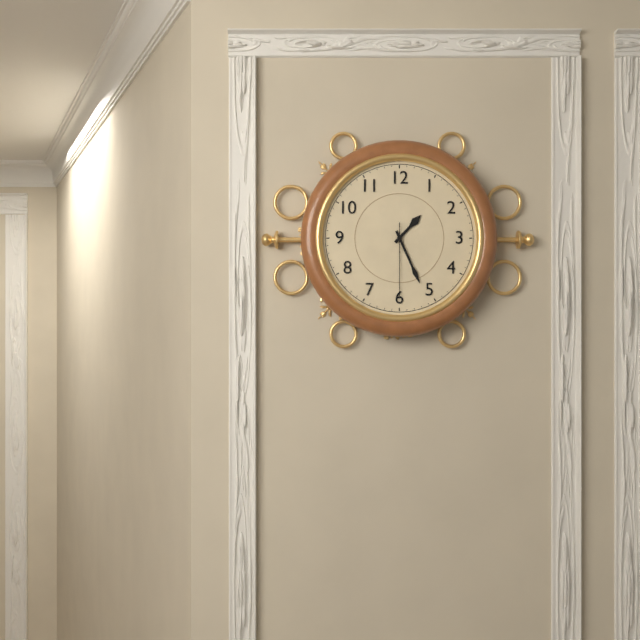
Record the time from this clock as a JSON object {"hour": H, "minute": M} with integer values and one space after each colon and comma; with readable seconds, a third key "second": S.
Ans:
{"hour": 1, "minute": 26, "second": 30}
